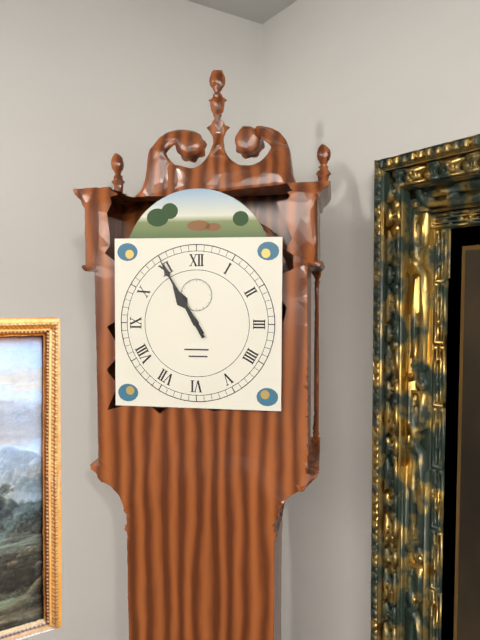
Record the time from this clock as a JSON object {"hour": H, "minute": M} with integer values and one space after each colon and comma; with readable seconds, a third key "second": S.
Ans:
{"hour": 10, "minute": 55}
